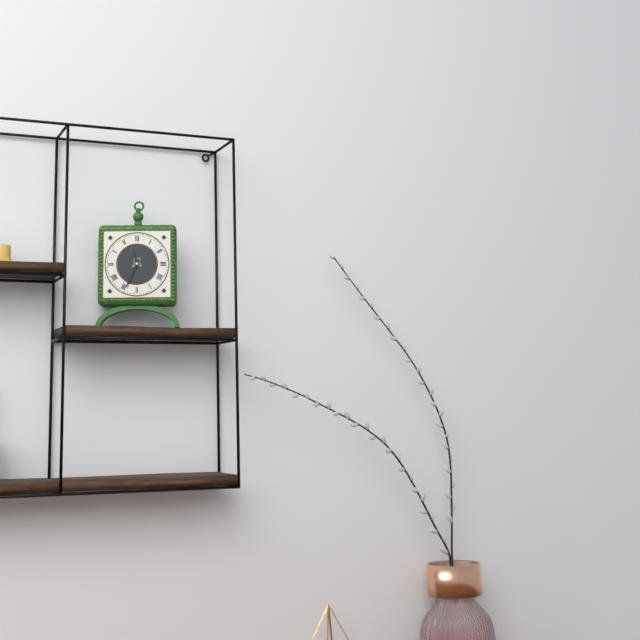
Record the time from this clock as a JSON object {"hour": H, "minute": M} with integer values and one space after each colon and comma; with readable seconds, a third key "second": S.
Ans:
{"hour": 11, "minute": 34}
